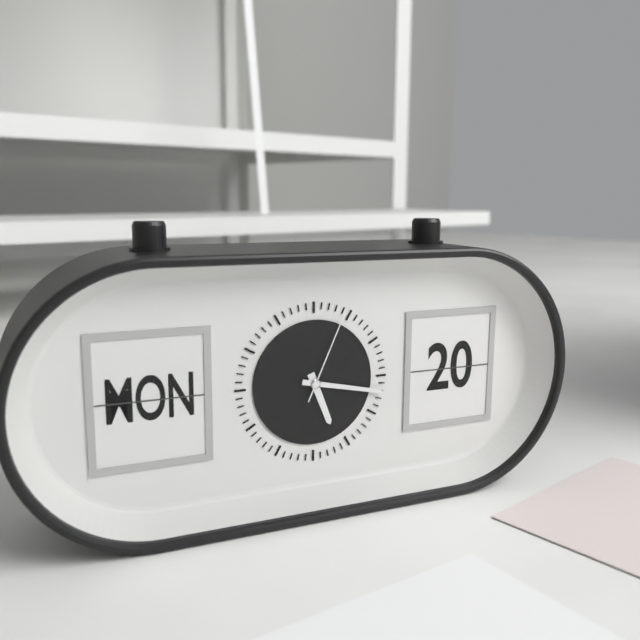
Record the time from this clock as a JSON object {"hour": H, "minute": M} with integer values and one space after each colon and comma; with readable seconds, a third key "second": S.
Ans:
{"hour": 5, "minute": 17, "second": 4}
